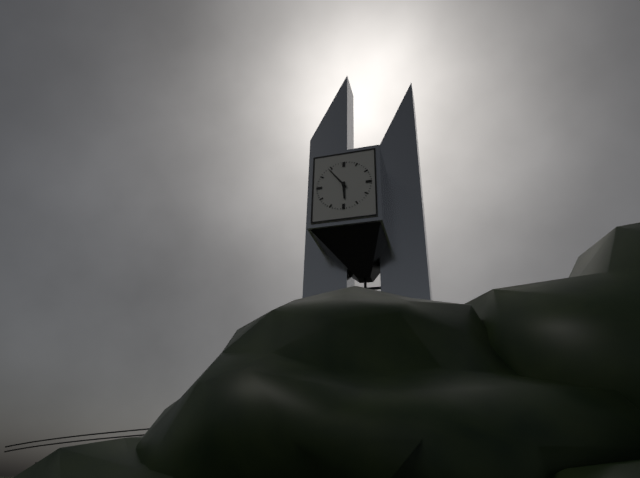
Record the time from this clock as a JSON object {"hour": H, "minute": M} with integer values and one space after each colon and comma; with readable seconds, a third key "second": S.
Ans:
{"hour": 5, "minute": 54}
